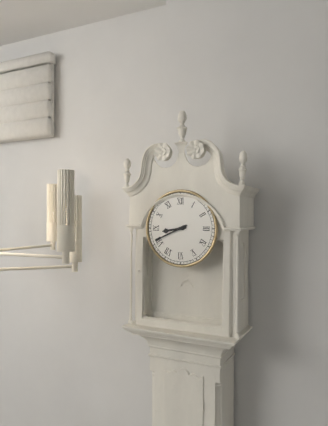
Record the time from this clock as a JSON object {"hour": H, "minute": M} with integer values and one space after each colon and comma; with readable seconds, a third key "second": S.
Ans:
{"hour": 8, "minute": 41}
